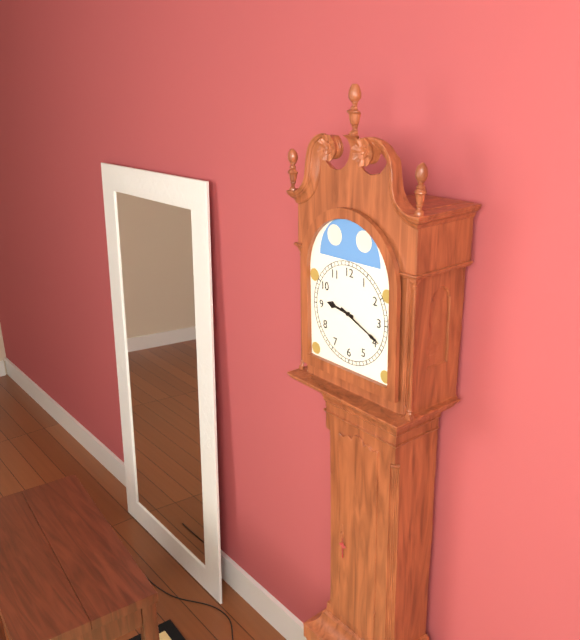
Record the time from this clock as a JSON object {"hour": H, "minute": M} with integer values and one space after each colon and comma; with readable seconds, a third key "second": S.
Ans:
{"hour": 9, "minute": 19}
